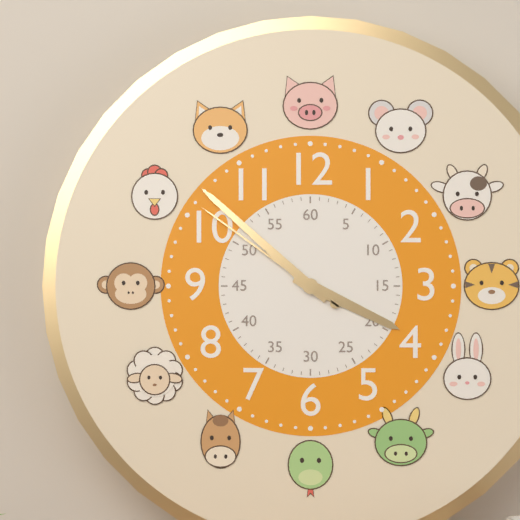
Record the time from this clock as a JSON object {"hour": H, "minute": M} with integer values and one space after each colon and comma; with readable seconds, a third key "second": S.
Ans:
{"hour": 3, "minute": 52, "second": 51}
